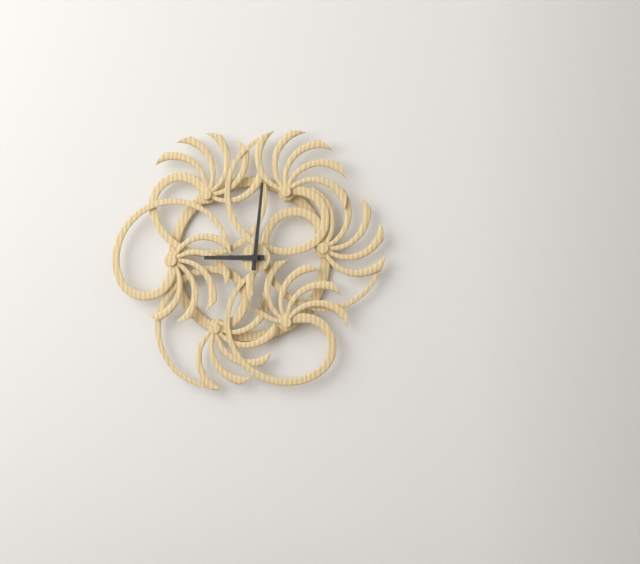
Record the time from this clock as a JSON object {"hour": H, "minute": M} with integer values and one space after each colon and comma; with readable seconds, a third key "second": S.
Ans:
{"hour": 9, "minute": 1}
